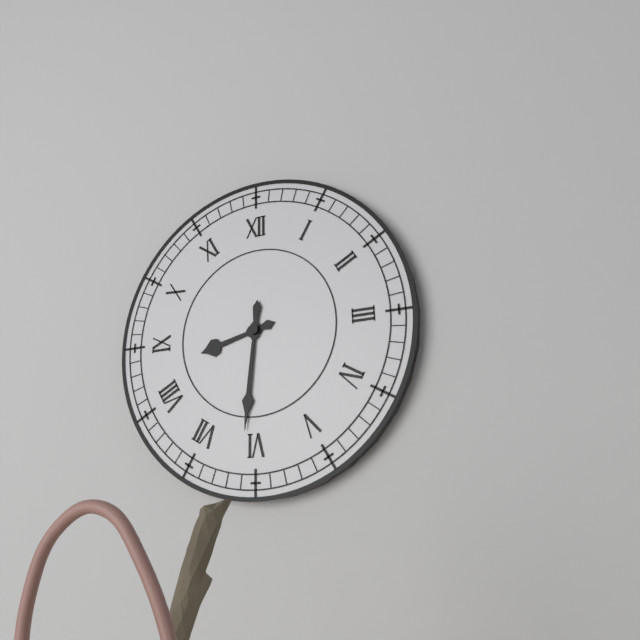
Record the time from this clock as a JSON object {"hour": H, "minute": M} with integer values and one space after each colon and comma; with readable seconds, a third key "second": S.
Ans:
{"hour": 8, "minute": 31}
